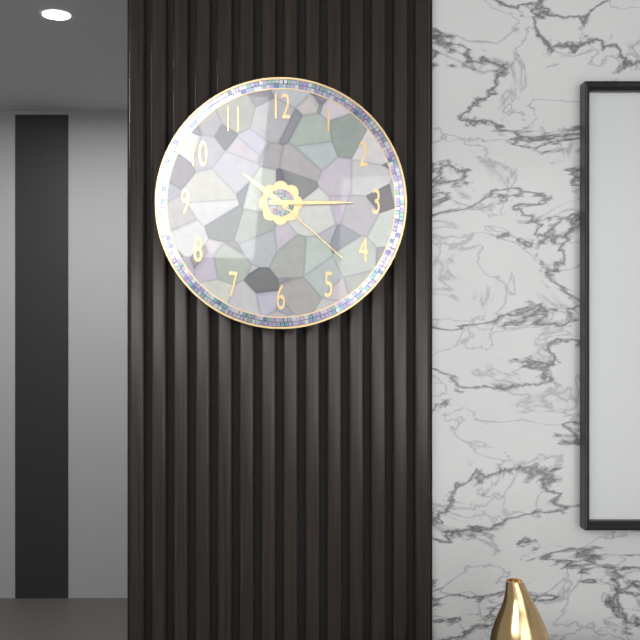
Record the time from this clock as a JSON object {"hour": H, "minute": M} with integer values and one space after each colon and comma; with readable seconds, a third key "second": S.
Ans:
{"hour": 10, "minute": 15, "second": 22}
